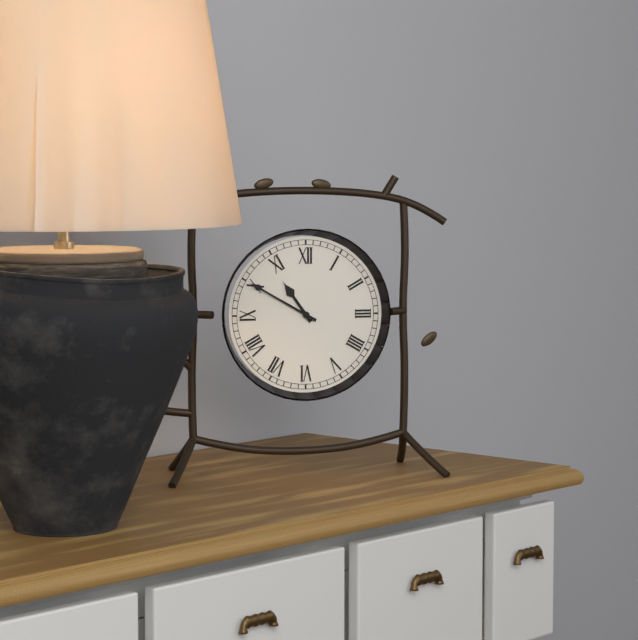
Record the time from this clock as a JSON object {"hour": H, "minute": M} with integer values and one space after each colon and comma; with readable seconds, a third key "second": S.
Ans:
{"hour": 10, "minute": 50}
